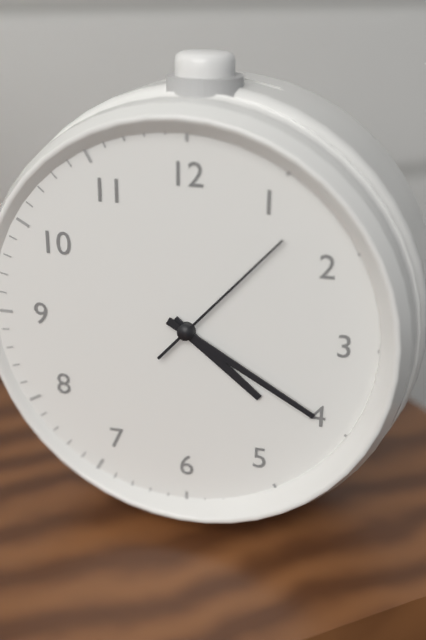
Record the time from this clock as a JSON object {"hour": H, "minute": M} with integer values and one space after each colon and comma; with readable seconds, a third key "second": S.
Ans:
{"hour": 4, "minute": 20, "second": 7}
